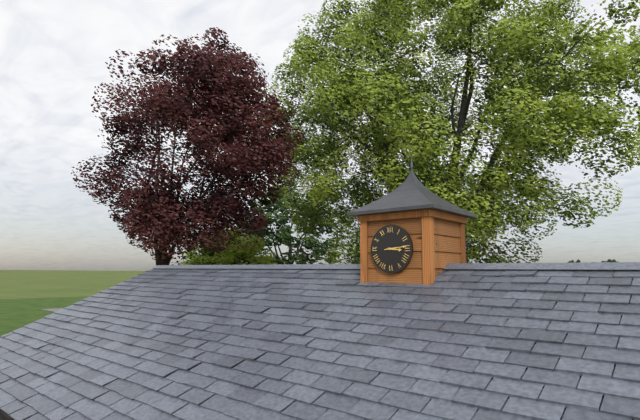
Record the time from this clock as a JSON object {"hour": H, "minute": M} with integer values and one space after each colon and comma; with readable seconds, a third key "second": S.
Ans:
{"hour": 3, "minute": 14}
